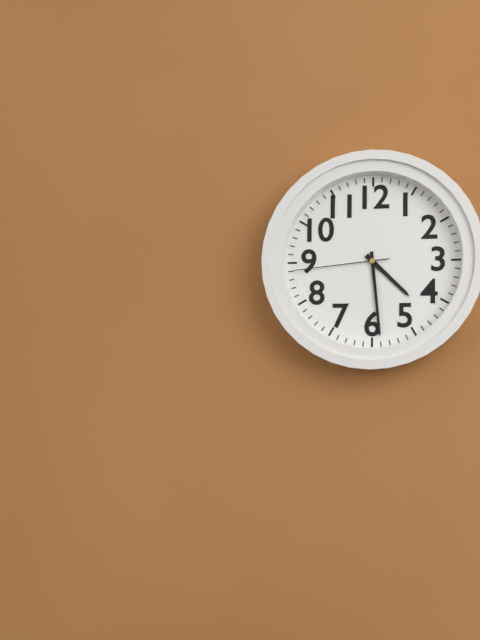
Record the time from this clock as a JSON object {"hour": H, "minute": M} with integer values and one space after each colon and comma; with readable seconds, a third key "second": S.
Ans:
{"hour": 4, "minute": 29, "second": 44}
